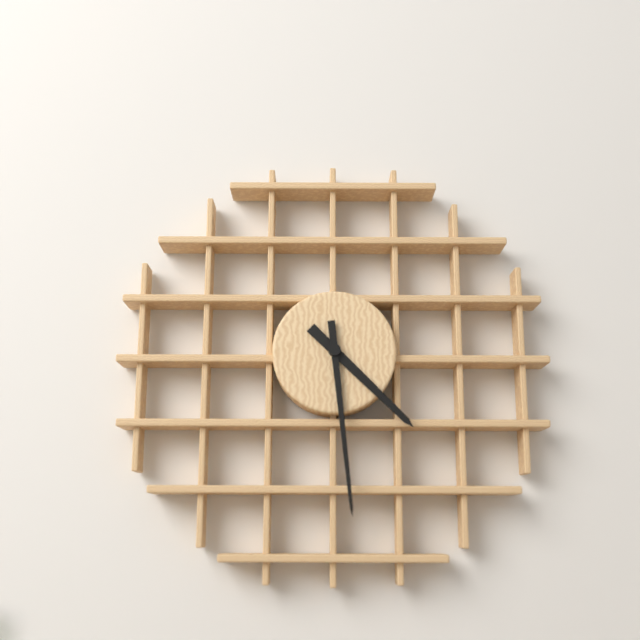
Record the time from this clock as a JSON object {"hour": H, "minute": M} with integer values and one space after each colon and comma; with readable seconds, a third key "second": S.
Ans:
{"hour": 4, "minute": 29}
